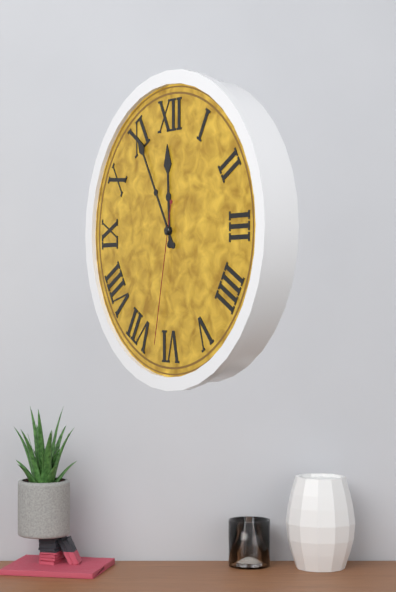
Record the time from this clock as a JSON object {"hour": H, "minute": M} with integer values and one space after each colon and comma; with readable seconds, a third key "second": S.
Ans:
{"hour": 11, "minute": 55, "second": 32}
